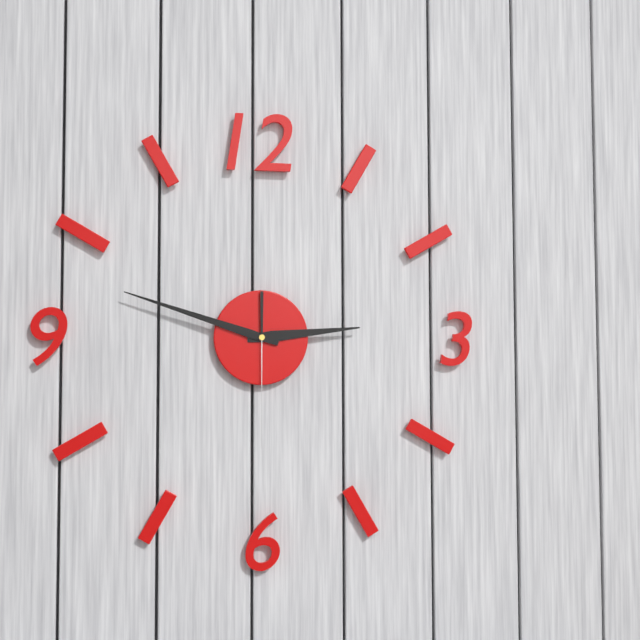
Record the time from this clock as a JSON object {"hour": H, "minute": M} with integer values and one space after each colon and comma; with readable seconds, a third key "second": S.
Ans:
{"hour": 2, "minute": 48, "second": 30}
